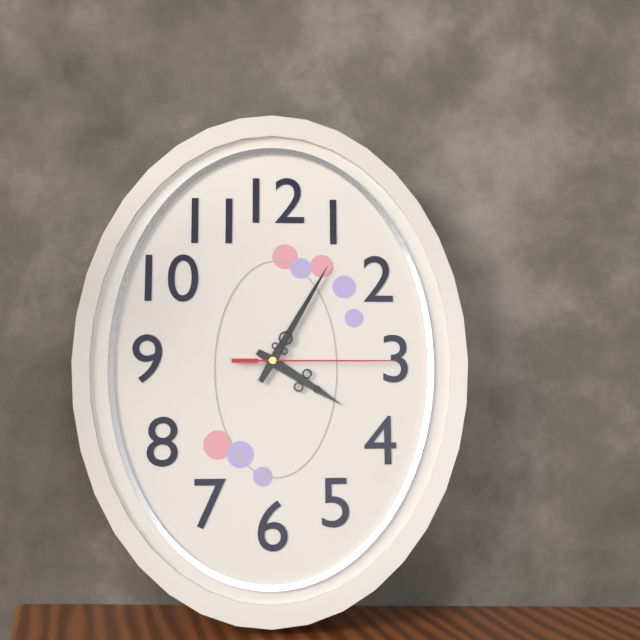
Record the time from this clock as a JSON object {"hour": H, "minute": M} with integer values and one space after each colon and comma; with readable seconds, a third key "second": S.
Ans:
{"hour": 4, "minute": 5, "second": 15}
